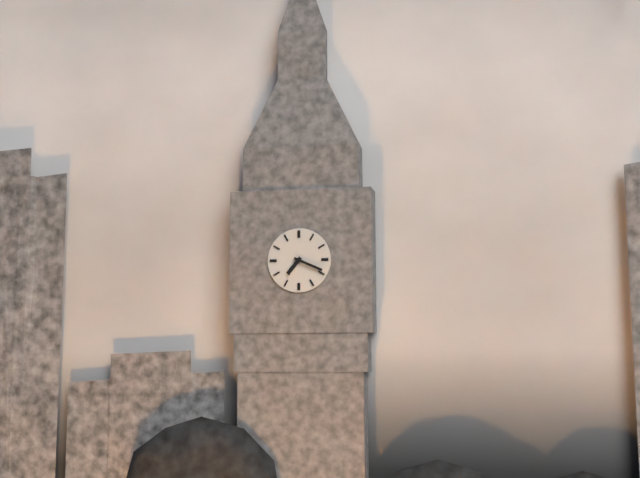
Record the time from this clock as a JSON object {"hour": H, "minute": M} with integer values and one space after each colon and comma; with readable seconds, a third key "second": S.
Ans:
{"hour": 7, "minute": 19}
